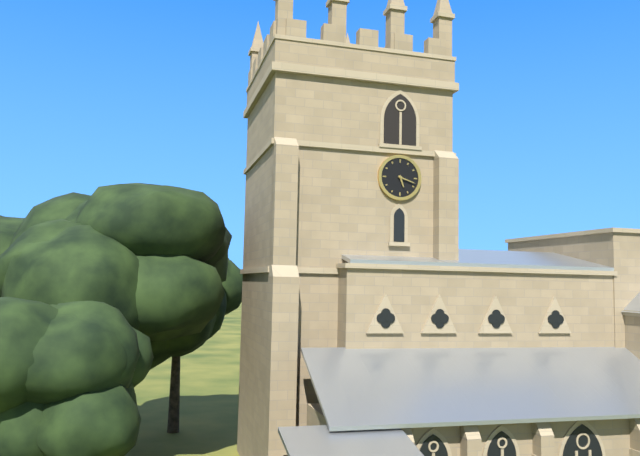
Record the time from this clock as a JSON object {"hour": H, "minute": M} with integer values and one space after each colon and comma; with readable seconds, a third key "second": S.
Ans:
{"hour": 5, "minute": 18}
